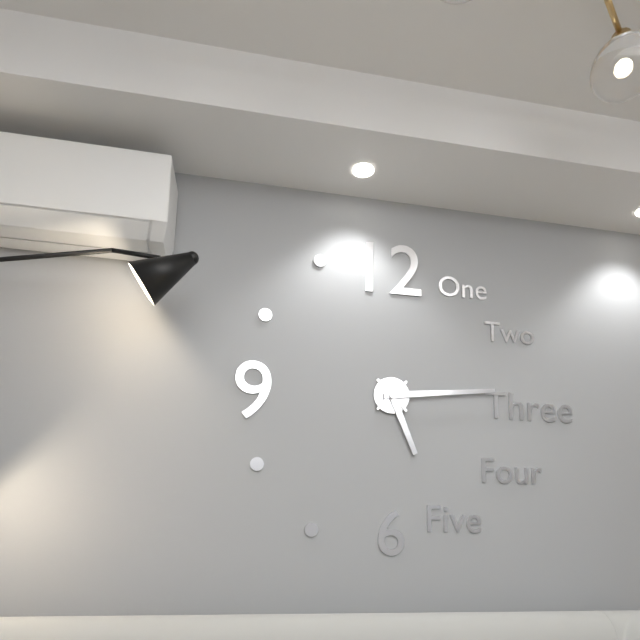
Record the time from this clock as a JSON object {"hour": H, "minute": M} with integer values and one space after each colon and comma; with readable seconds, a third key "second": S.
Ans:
{"hour": 5, "minute": 14}
